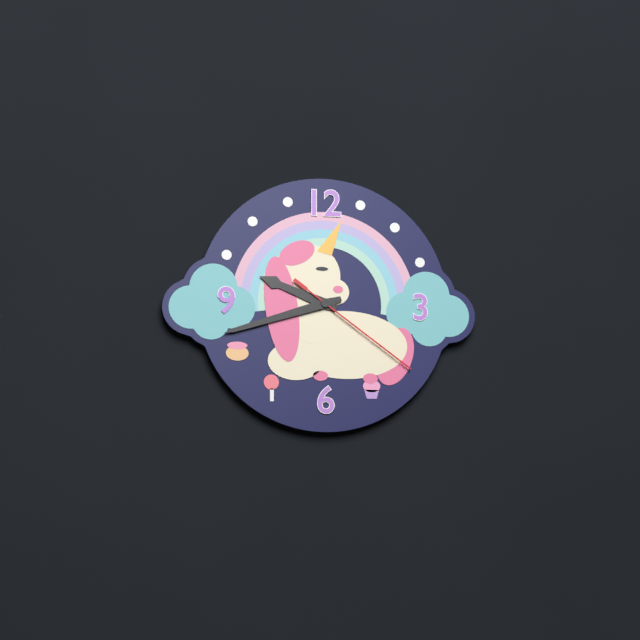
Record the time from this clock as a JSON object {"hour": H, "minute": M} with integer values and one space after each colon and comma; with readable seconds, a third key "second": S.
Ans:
{"hour": 9, "minute": 42, "second": 21}
